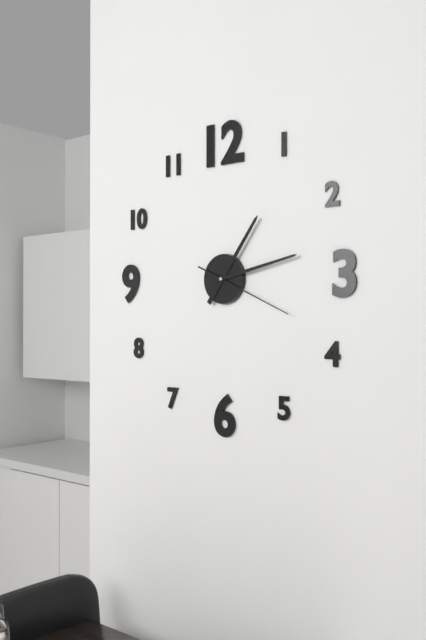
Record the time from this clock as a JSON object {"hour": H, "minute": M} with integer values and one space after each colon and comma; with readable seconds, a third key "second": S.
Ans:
{"hour": 1, "minute": 13, "second": 19}
